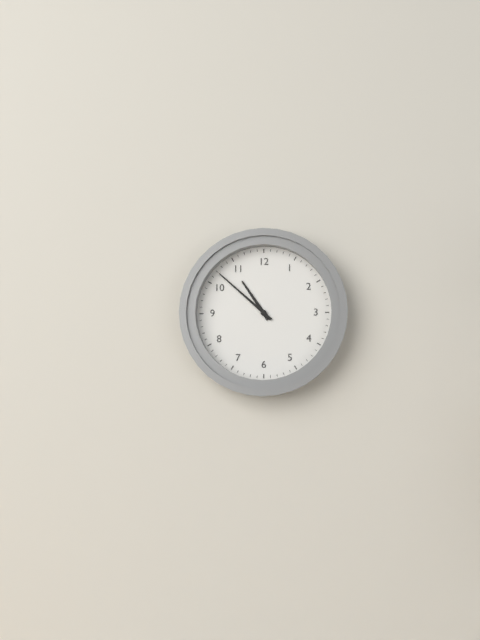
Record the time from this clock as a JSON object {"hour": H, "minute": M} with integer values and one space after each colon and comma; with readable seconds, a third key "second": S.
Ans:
{"hour": 10, "minute": 52}
